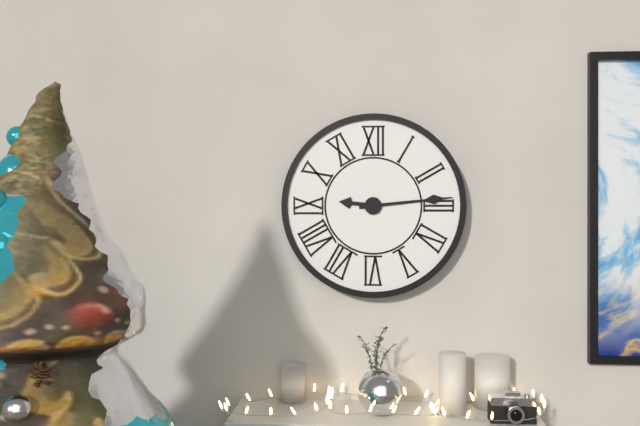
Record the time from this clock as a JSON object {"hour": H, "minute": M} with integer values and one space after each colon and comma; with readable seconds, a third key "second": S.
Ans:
{"hour": 9, "minute": 14}
